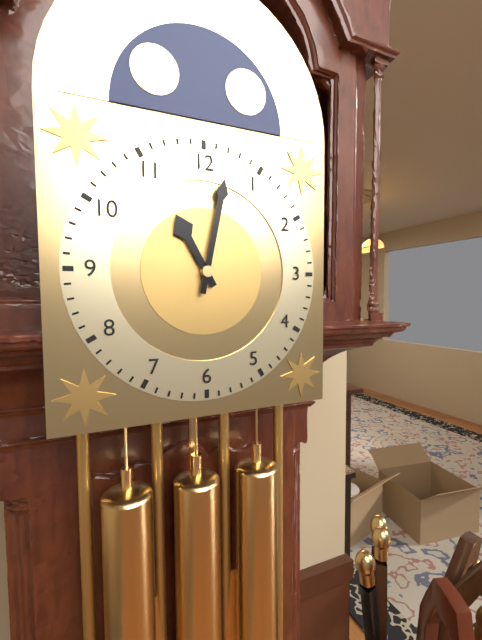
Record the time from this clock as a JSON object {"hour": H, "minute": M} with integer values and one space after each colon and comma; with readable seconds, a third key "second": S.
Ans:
{"hour": 11, "minute": 2}
